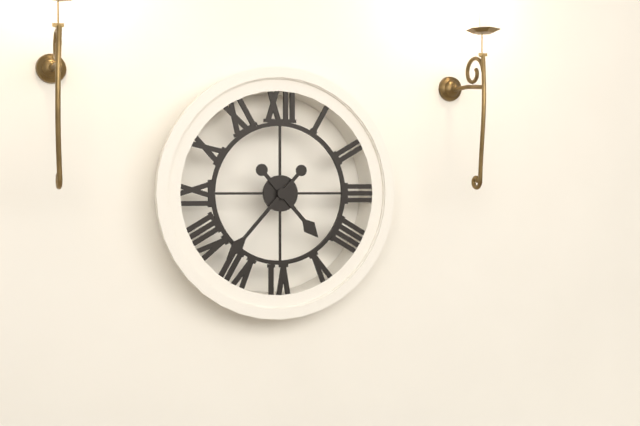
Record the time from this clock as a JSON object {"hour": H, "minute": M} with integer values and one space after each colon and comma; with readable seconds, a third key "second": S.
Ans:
{"hour": 4, "minute": 37}
